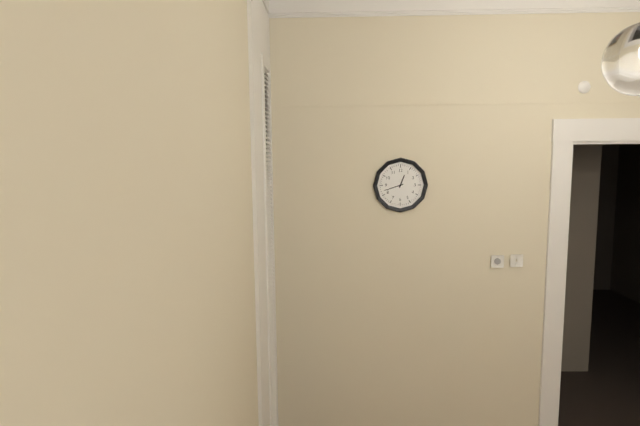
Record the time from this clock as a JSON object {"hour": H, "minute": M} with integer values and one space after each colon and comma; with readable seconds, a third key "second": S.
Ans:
{"hour": 12, "minute": 42}
